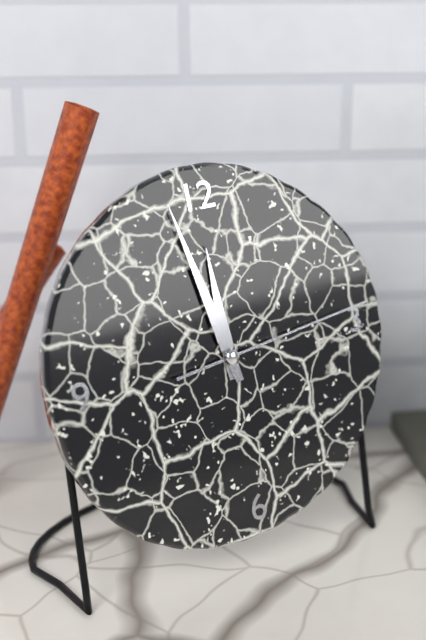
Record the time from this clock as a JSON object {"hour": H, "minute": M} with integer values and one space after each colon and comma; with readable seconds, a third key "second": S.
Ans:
{"hour": 11, "minute": 58, "second": 14}
